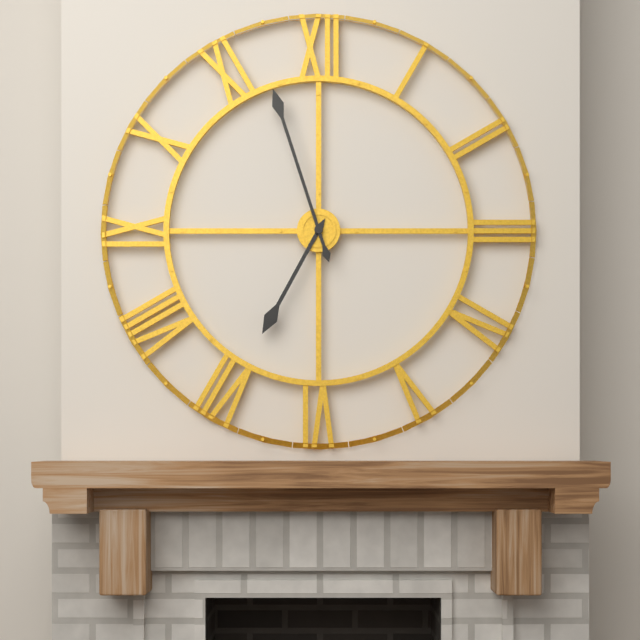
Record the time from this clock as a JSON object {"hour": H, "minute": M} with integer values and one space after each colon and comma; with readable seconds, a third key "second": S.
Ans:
{"hour": 6, "minute": 57}
